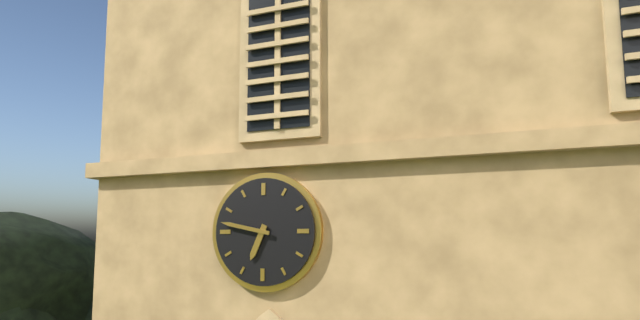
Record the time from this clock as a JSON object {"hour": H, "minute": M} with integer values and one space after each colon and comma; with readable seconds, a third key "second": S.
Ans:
{"hour": 6, "minute": 47}
